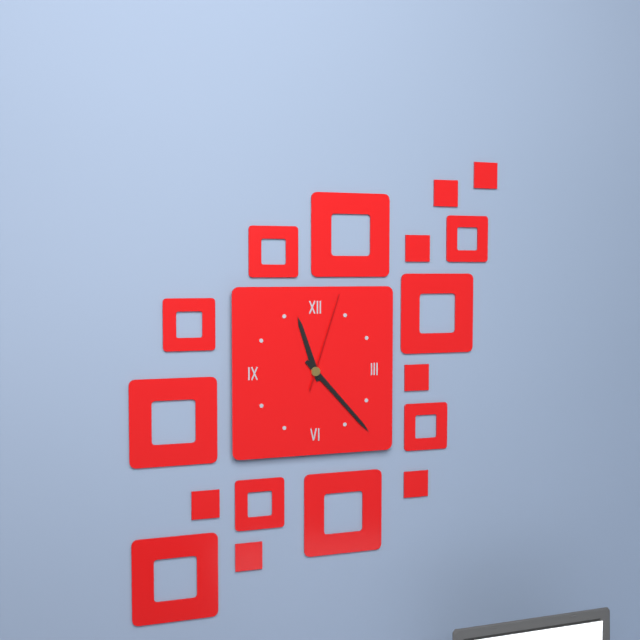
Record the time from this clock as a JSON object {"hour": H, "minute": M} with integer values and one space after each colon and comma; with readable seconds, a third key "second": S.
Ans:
{"hour": 11, "minute": 23, "second": 3}
